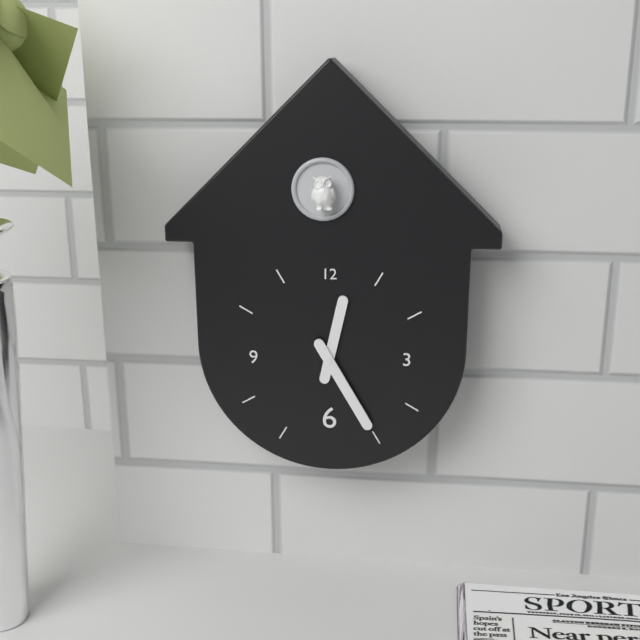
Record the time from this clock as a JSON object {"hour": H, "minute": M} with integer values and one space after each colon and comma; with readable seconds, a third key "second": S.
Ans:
{"hour": 12, "minute": 25}
